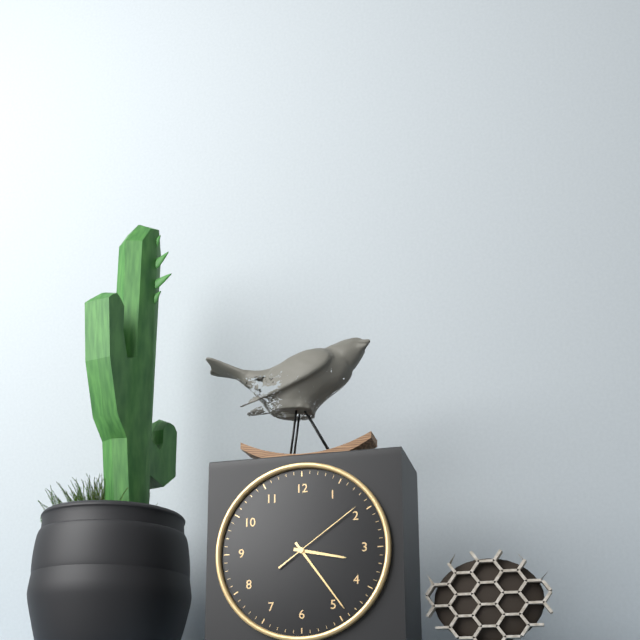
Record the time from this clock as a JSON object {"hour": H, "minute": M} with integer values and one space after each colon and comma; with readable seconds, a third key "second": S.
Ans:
{"hour": 3, "minute": 24, "second": 9}
